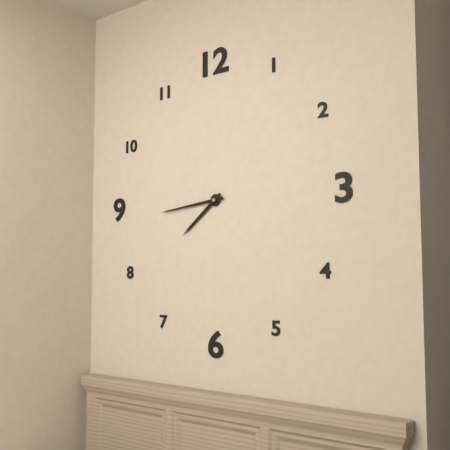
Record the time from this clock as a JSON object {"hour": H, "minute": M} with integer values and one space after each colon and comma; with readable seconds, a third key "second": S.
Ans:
{"hour": 7, "minute": 44}
